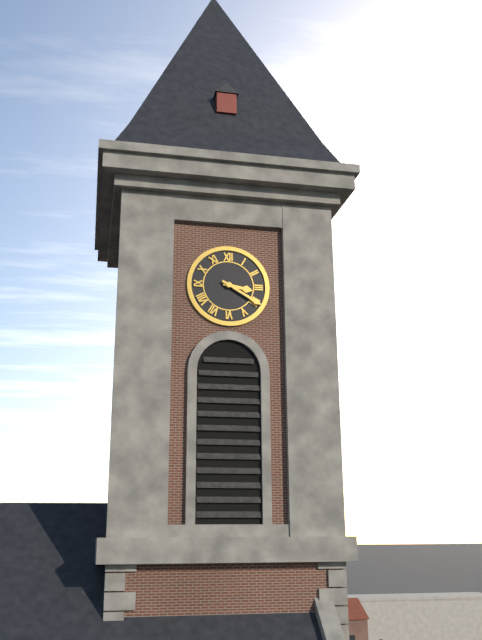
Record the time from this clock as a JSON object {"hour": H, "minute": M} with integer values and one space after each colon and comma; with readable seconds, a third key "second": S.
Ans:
{"hour": 3, "minute": 20}
